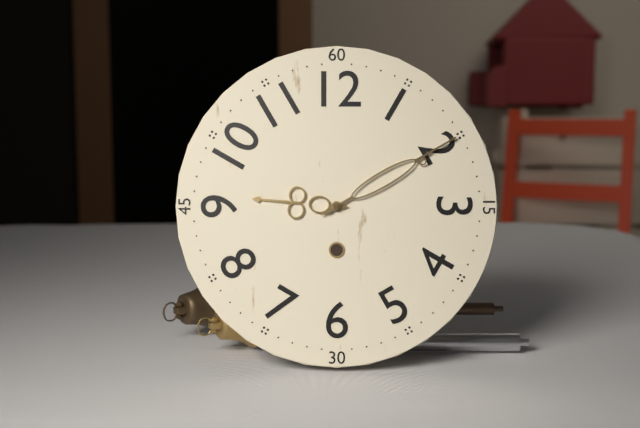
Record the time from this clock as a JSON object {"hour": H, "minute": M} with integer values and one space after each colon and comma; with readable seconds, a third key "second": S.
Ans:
{"hour": 9, "minute": 10}
